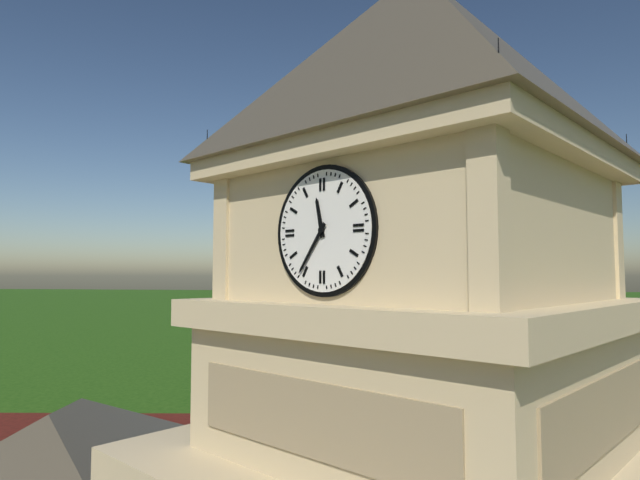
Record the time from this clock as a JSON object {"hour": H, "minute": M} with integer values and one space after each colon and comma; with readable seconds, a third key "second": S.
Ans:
{"hour": 11, "minute": 36}
